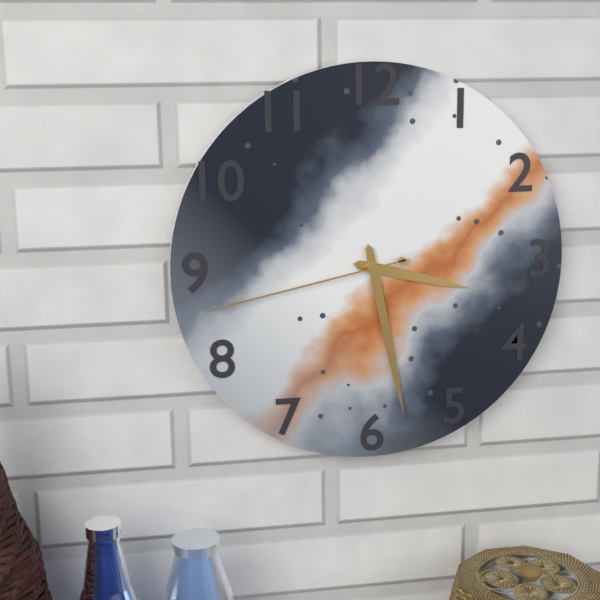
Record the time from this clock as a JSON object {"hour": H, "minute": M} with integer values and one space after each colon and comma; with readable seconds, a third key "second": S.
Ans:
{"hour": 3, "minute": 28, "second": 43}
